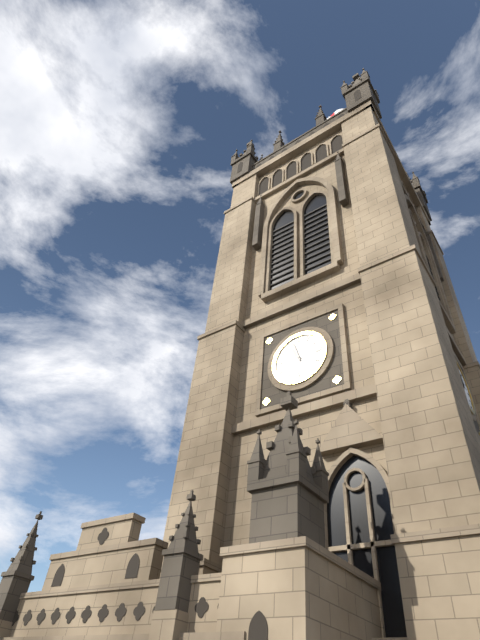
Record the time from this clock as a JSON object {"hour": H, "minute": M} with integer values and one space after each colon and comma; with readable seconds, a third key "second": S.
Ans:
{"hour": 10, "minute": 57}
